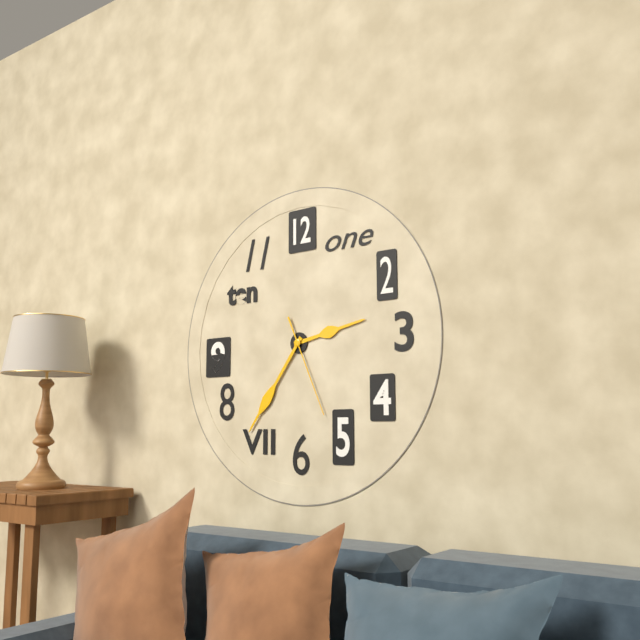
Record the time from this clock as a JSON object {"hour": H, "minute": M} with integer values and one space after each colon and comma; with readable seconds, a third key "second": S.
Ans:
{"hour": 2, "minute": 36, "second": 26}
